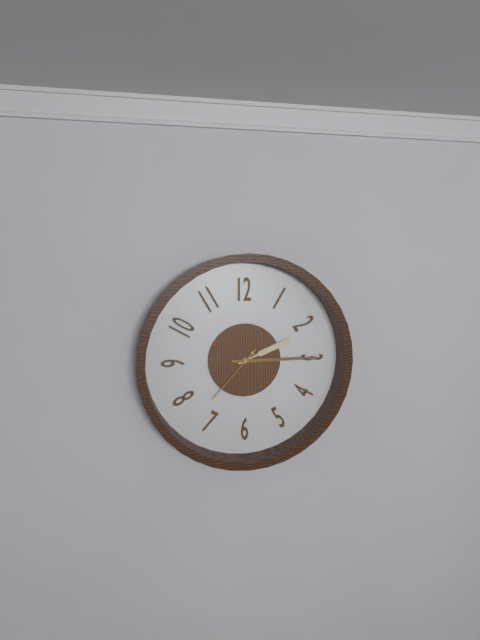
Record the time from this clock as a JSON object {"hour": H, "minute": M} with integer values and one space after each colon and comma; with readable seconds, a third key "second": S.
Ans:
{"hour": 2, "minute": 15, "second": 37}
